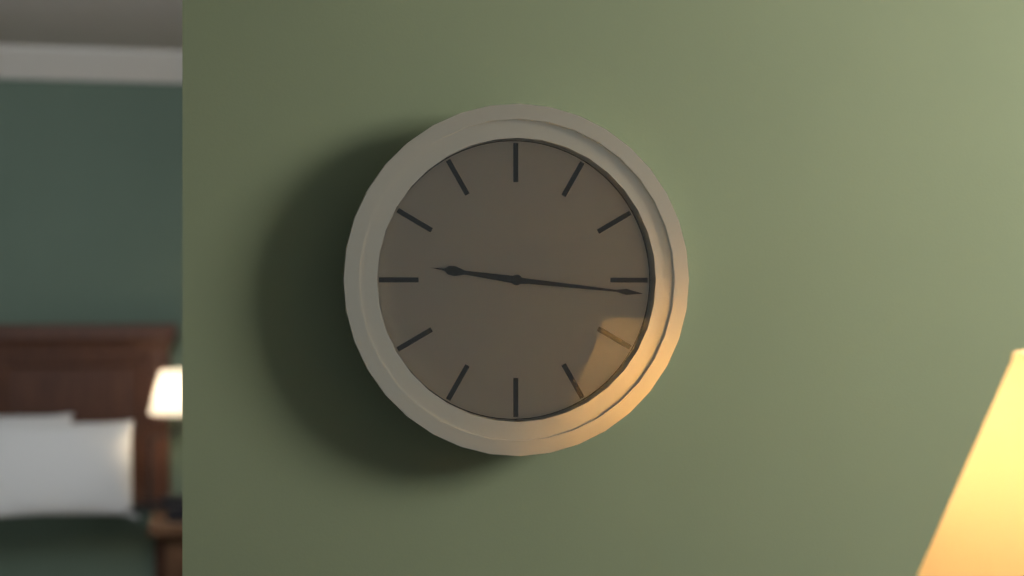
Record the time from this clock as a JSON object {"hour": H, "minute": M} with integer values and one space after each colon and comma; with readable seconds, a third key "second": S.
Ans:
{"hour": 9, "minute": 16}
